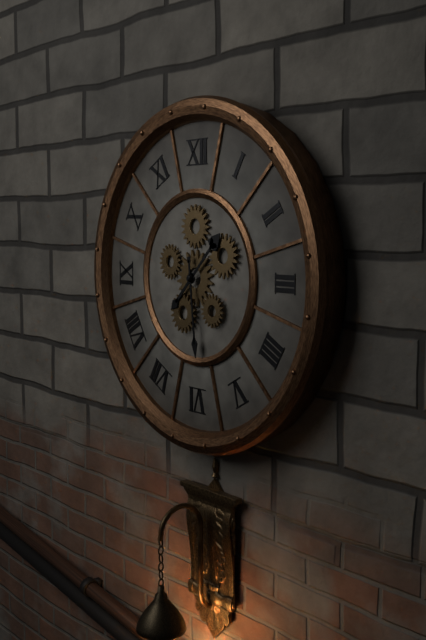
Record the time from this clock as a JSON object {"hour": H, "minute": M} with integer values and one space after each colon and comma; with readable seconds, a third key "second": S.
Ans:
{"hour": 1, "minute": 29}
